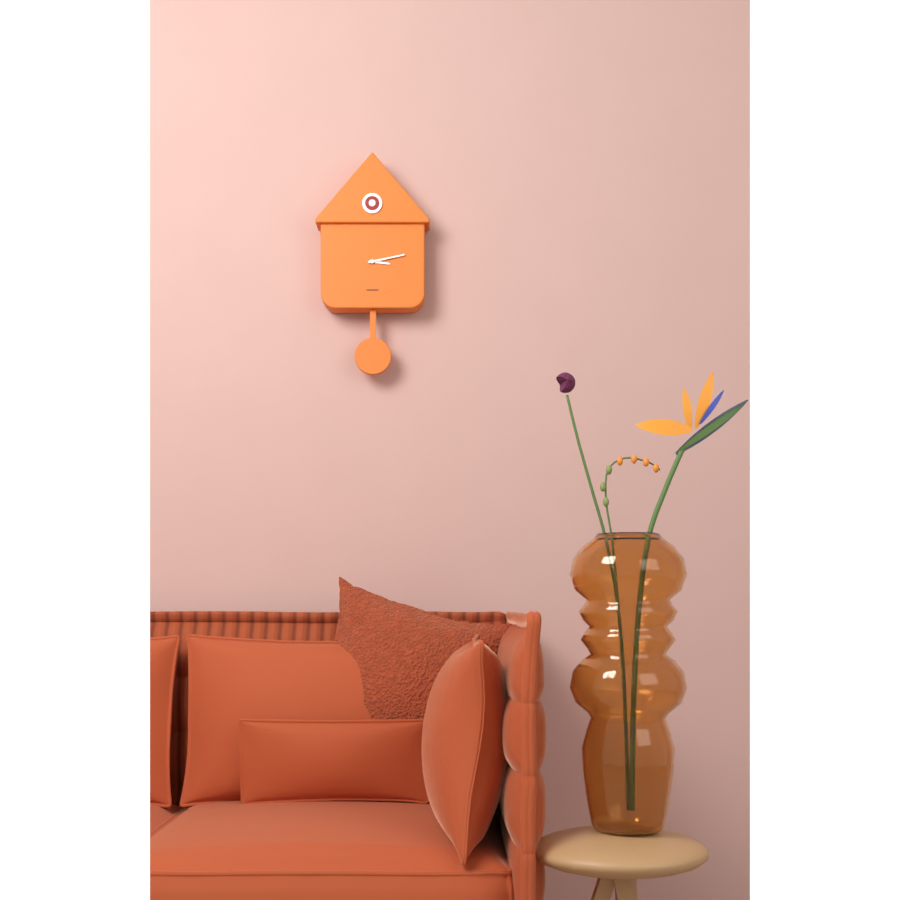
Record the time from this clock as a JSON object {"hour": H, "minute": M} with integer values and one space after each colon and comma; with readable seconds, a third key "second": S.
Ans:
{"hour": 3, "minute": 13}
